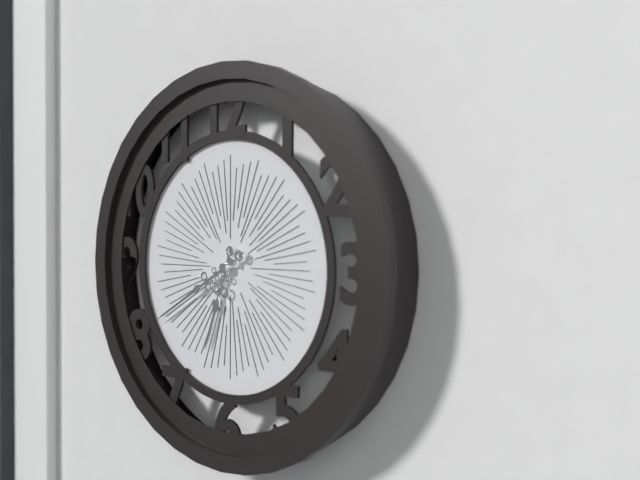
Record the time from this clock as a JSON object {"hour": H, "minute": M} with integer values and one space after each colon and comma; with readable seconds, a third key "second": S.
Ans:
{"hour": 6, "minute": 40}
